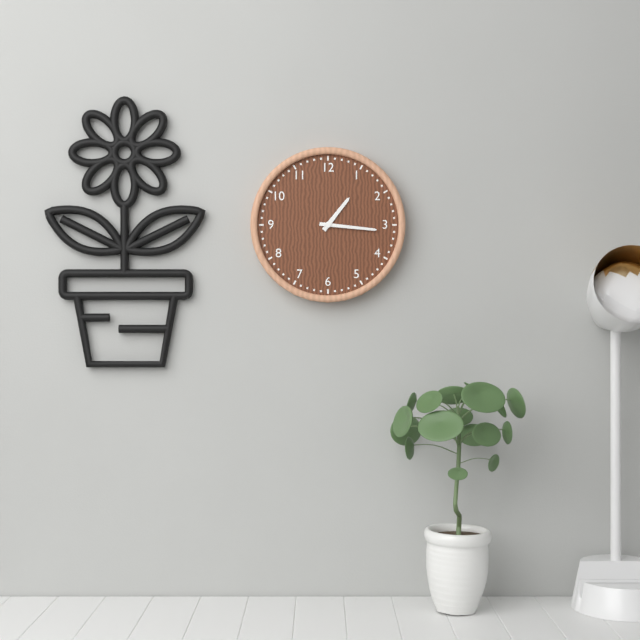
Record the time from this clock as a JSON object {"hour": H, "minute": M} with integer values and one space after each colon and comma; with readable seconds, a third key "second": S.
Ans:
{"hour": 1, "minute": 16}
